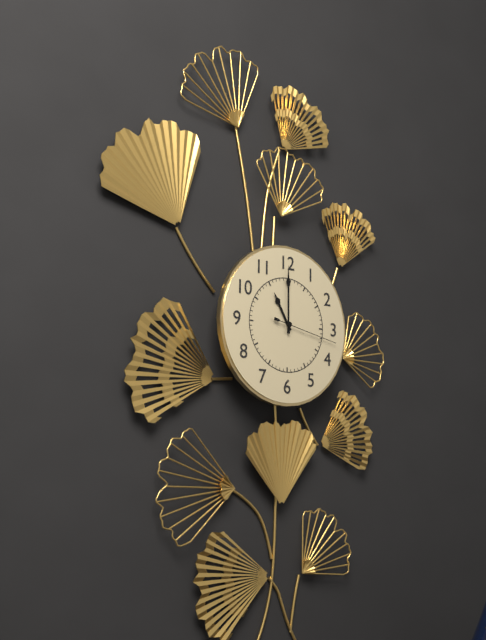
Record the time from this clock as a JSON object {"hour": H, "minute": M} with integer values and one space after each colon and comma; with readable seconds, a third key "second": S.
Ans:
{"hour": 11, "minute": 0, "second": 17}
